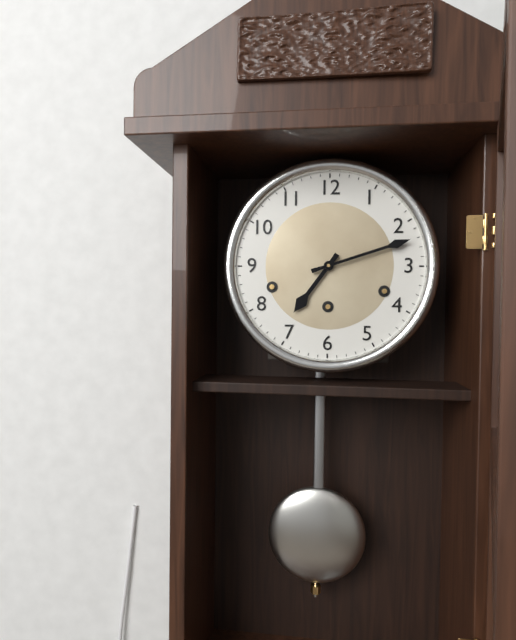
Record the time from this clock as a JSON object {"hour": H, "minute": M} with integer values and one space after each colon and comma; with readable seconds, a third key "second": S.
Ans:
{"hour": 7, "minute": 12}
